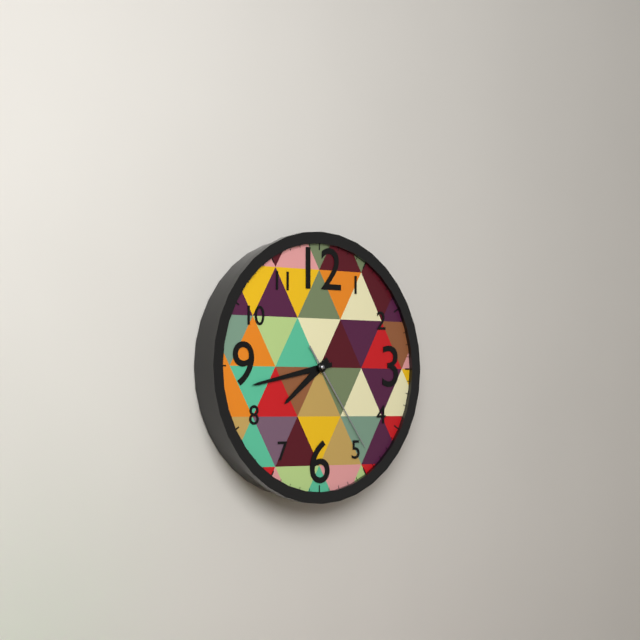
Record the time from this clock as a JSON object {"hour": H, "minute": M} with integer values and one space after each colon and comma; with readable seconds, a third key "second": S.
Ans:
{"hour": 7, "minute": 43, "second": 24}
